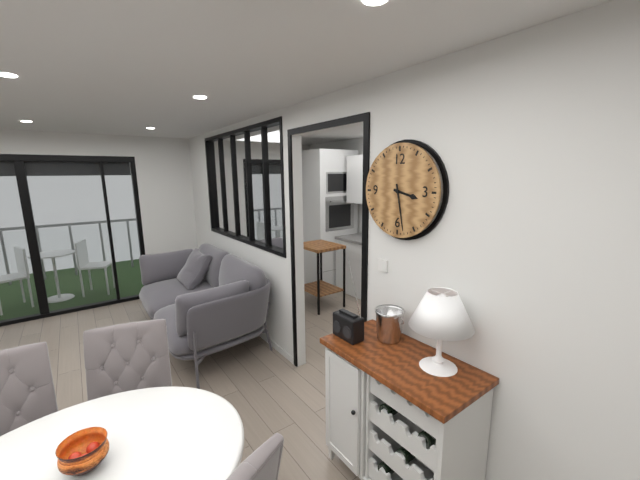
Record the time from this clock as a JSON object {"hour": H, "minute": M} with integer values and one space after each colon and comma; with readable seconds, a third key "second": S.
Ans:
{"hour": 3, "minute": 28}
